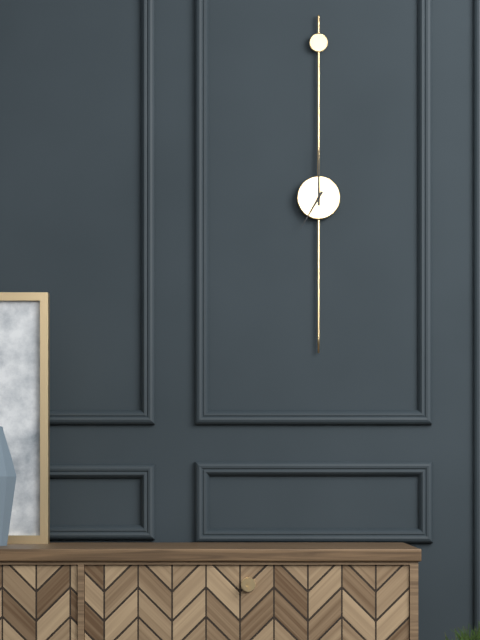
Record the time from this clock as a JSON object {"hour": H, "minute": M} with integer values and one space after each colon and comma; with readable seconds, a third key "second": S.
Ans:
{"hour": 7, "minute": 0}
